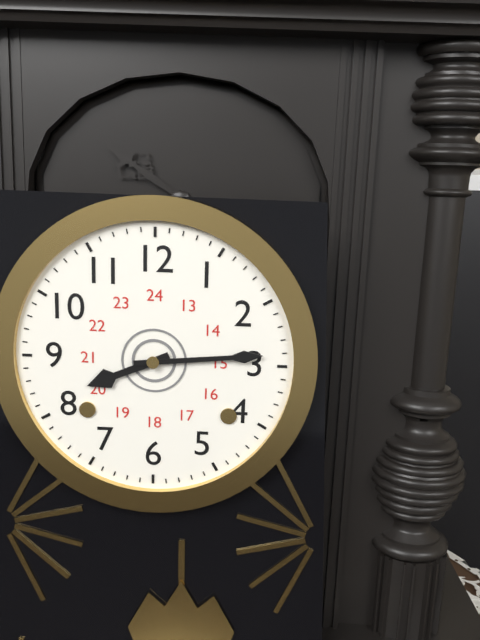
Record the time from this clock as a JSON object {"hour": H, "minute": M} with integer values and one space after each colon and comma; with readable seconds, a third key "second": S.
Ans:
{"hour": 8, "minute": 14}
